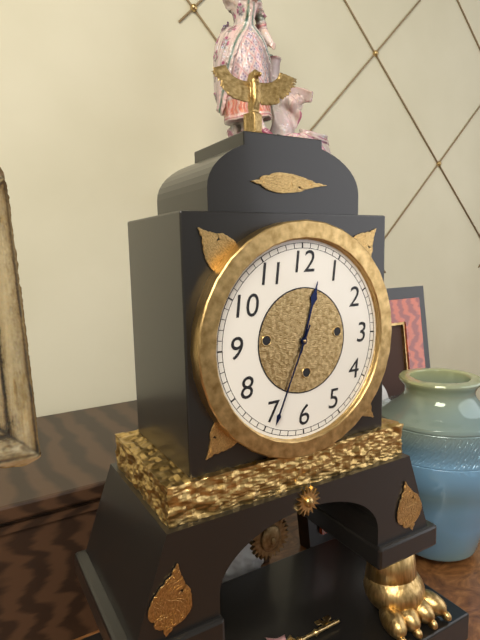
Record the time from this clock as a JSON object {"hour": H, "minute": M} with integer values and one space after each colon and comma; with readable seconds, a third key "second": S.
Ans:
{"hour": 12, "minute": 34}
